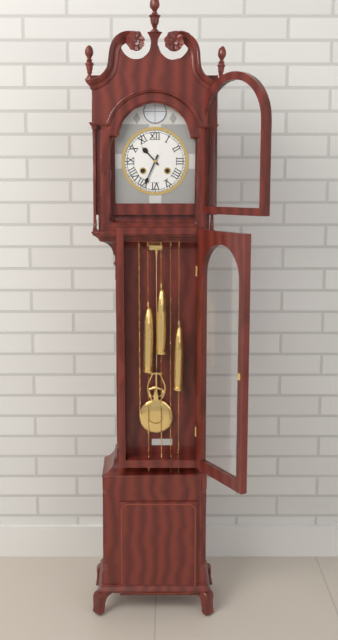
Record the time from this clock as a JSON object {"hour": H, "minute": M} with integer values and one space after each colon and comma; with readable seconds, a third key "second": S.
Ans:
{"hour": 10, "minute": 34}
